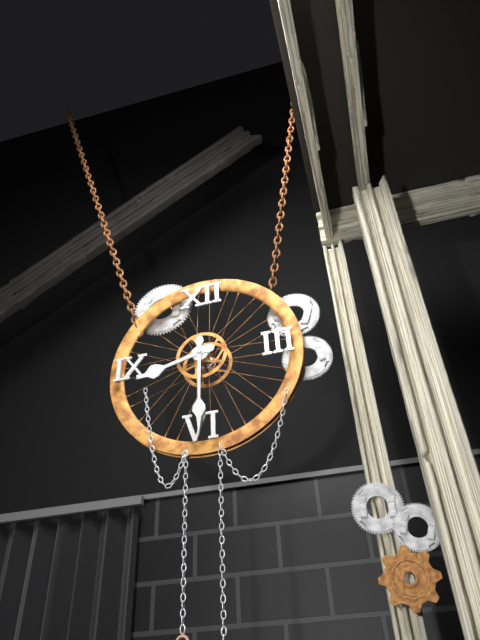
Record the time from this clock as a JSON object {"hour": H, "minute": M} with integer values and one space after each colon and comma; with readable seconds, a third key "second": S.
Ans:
{"hour": 8, "minute": 30}
